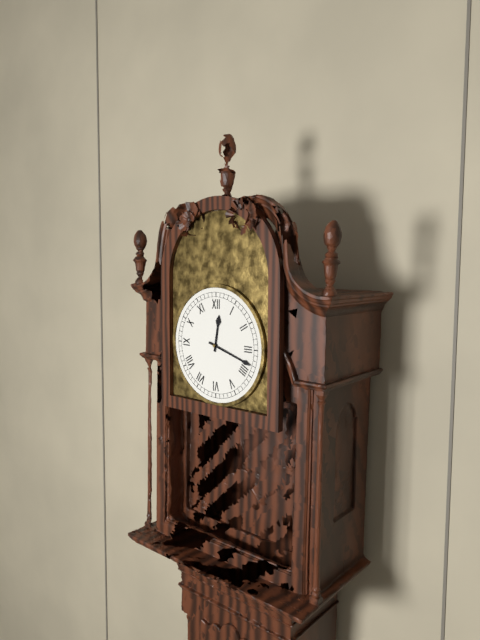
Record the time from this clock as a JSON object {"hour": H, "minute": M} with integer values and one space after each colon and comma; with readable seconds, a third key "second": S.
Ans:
{"hour": 12, "minute": 18}
